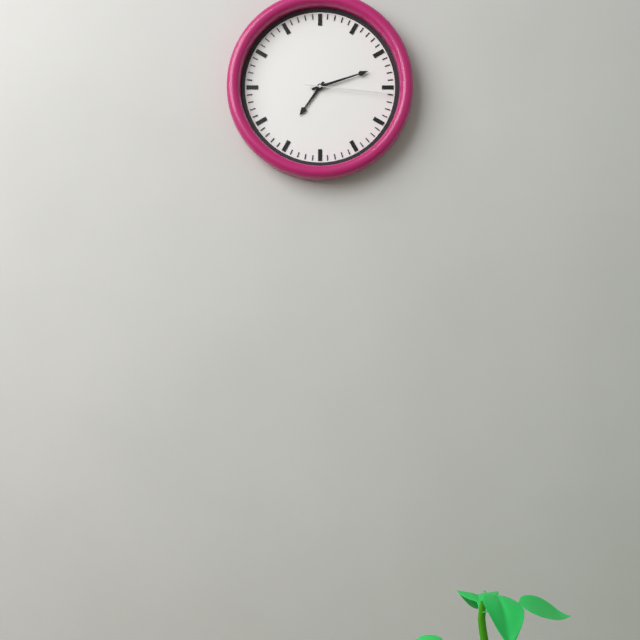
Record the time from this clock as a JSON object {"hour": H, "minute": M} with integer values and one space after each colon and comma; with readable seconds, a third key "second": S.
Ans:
{"hour": 7, "minute": 12, "second": 16}
